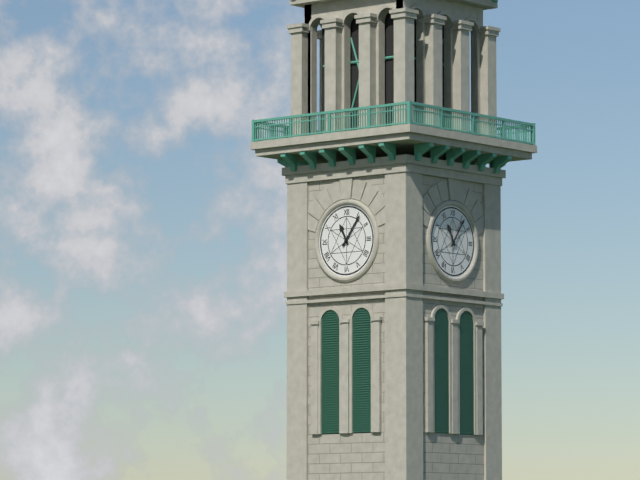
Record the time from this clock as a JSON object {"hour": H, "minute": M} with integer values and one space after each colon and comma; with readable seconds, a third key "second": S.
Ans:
{"hour": 11, "minute": 6}
